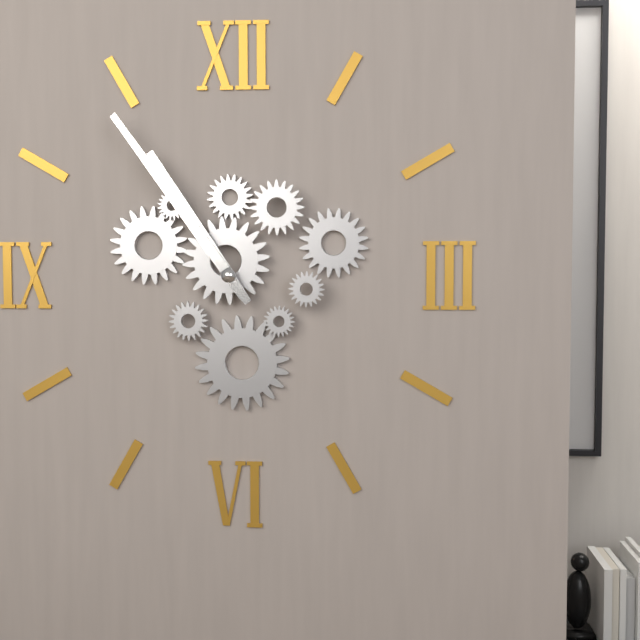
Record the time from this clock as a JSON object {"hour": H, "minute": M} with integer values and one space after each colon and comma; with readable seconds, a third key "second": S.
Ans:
{"hour": 10, "minute": 54}
